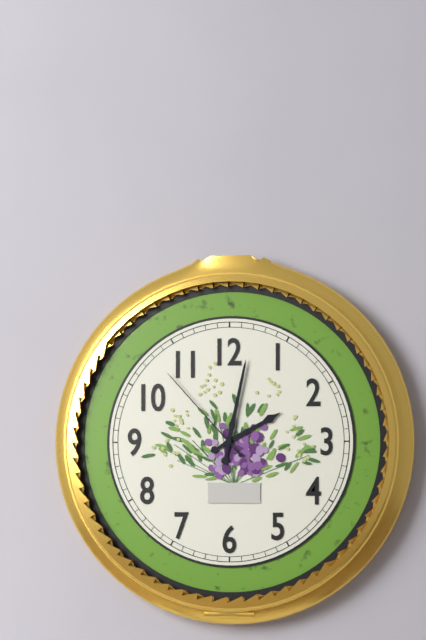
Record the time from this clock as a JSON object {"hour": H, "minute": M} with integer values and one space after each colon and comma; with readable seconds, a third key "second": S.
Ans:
{"hour": 2, "minute": 2, "second": 53}
